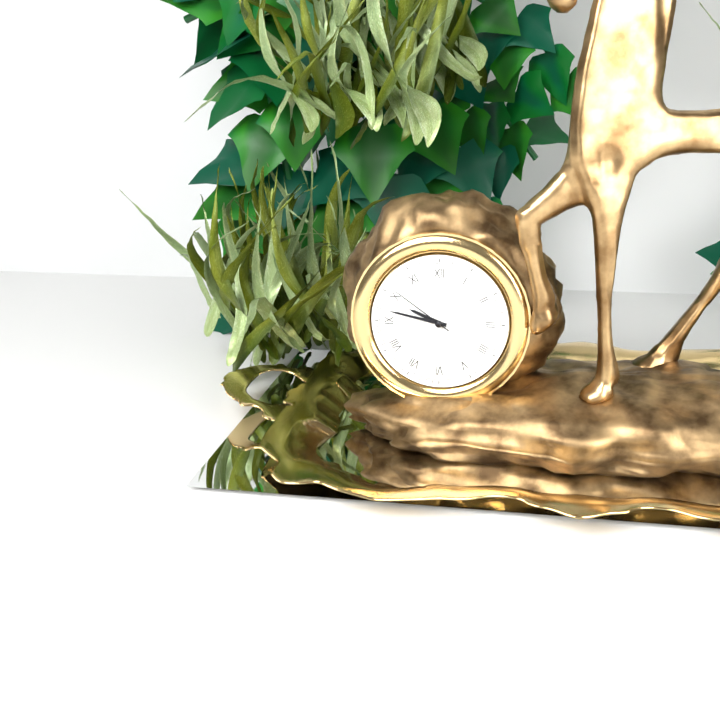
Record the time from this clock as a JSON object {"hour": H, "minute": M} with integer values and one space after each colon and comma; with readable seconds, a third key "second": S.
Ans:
{"hour": 9, "minute": 47, "second": 51}
